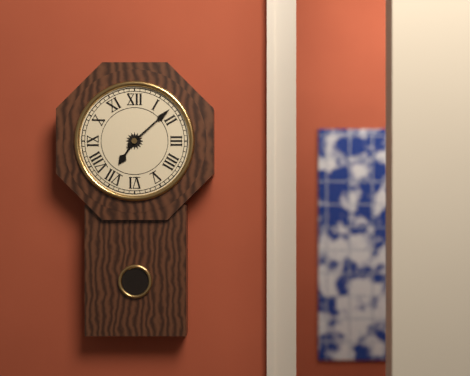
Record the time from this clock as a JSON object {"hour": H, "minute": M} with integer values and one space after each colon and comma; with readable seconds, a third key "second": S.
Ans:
{"hour": 7, "minute": 8}
